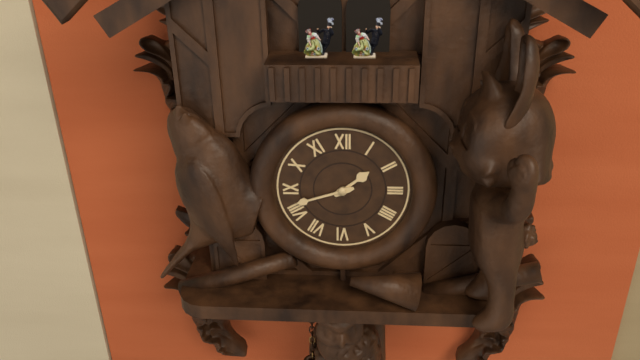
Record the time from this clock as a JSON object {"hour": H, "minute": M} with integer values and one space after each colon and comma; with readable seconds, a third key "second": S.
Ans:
{"hour": 1, "minute": 42}
